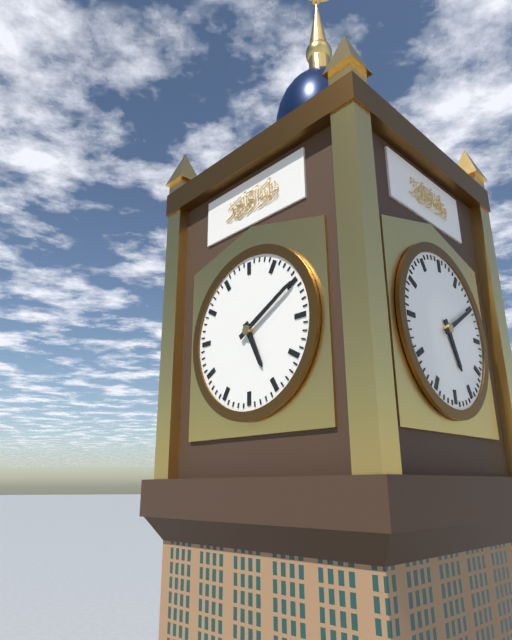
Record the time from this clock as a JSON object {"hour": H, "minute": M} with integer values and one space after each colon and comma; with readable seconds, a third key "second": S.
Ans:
{"hour": 5, "minute": 10}
